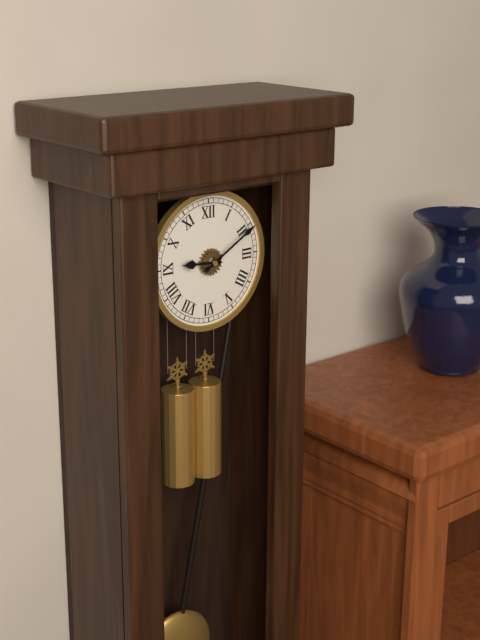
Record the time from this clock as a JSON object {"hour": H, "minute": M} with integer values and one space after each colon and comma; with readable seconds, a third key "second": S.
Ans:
{"hour": 9, "minute": 10}
